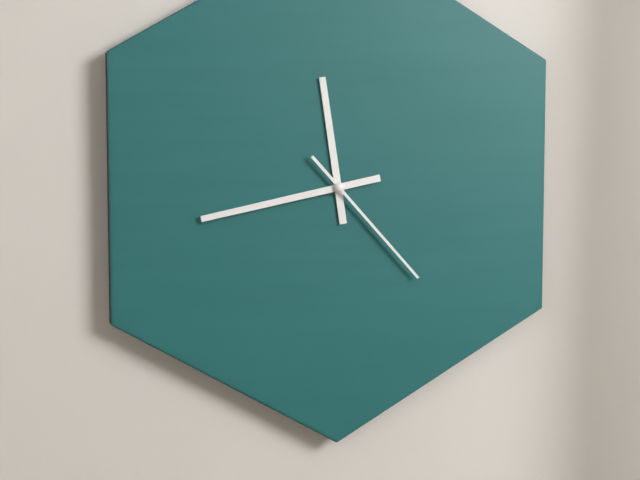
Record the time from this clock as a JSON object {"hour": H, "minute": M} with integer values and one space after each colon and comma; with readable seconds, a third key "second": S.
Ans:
{"hour": 11, "minute": 43, "second": 23}
